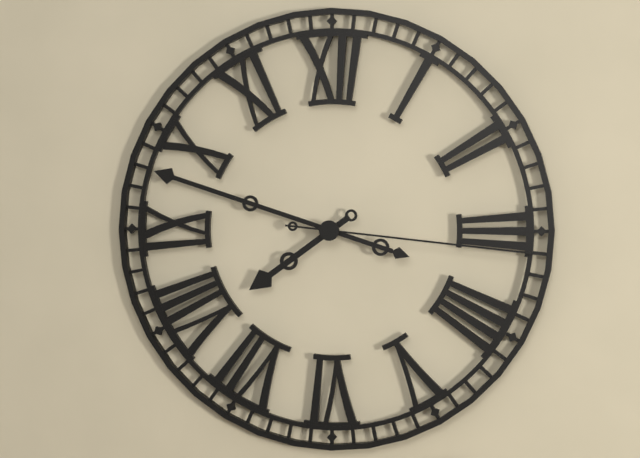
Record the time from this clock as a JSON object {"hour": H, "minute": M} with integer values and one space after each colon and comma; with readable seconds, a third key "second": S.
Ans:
{"hour": 7, "minute": 48, "second": 16}
